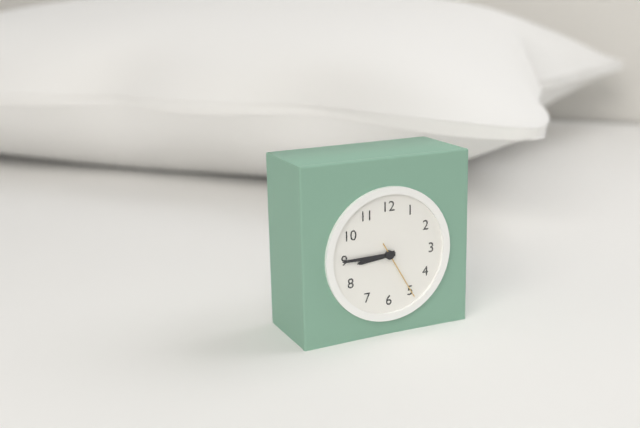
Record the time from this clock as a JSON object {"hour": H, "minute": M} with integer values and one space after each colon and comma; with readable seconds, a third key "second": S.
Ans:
{"hour": 8, "minute": 45, "second": 25}
